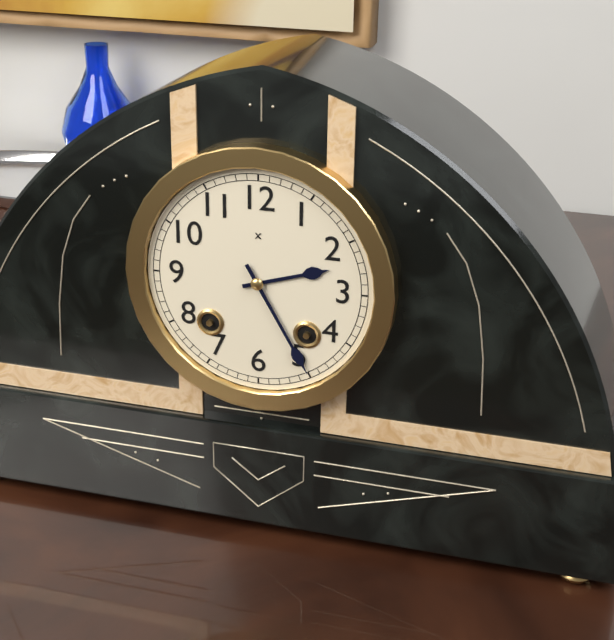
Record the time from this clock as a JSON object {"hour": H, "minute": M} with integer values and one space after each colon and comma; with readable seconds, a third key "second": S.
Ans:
{"hour": 2, "minute": 25}
